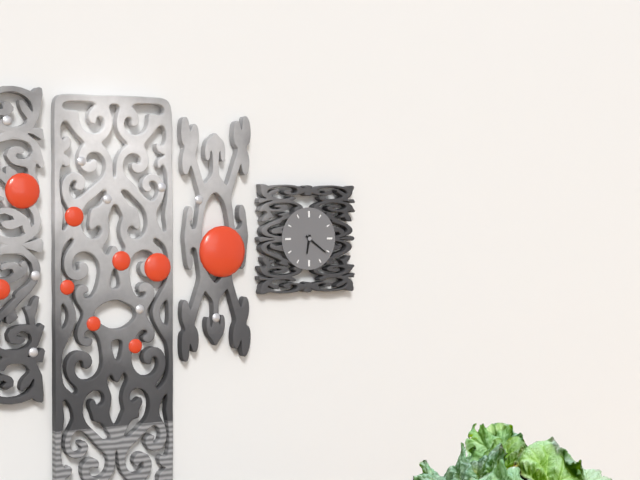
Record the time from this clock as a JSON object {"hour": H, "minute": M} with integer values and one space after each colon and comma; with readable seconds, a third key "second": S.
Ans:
{"hour": 6, "minute": 21}
